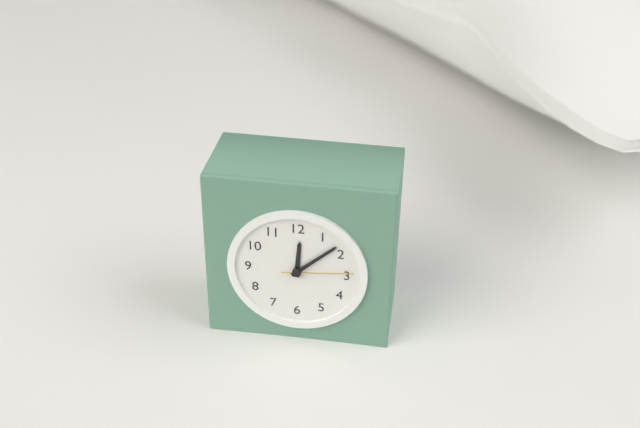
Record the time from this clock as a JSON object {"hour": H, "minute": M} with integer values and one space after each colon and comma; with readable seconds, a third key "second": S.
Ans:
{"hour": 12, "minute": 8, "second": 14}
